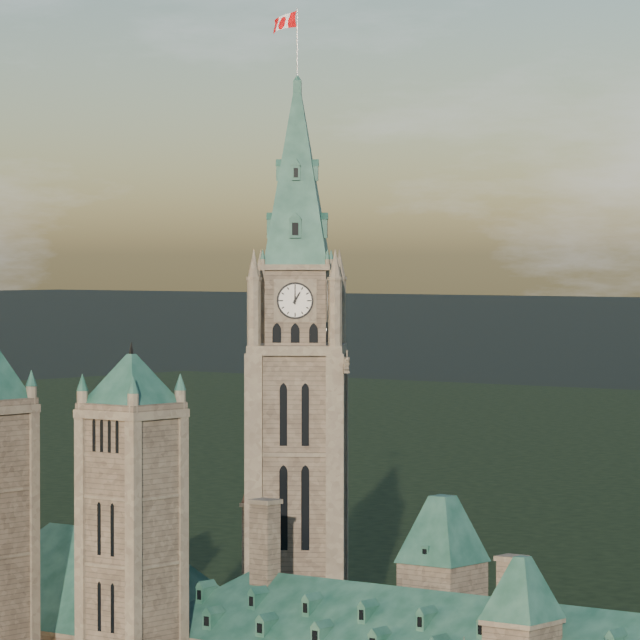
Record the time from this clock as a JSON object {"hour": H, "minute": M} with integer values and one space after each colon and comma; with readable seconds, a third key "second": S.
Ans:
{"hour": 1, "minute": 0}
